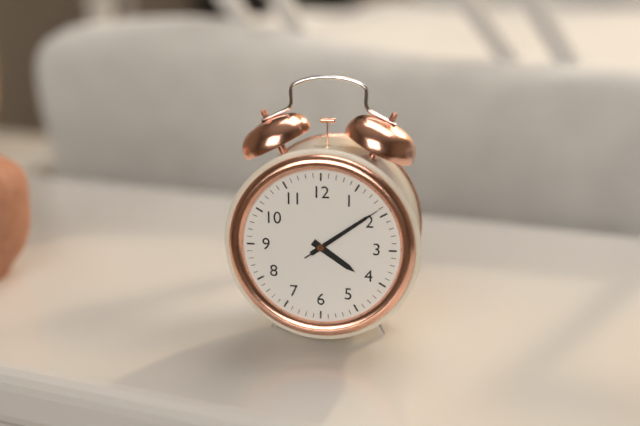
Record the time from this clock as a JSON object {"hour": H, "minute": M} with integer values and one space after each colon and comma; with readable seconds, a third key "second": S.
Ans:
{"hour": 4, "minute": 9, "second": 9}
